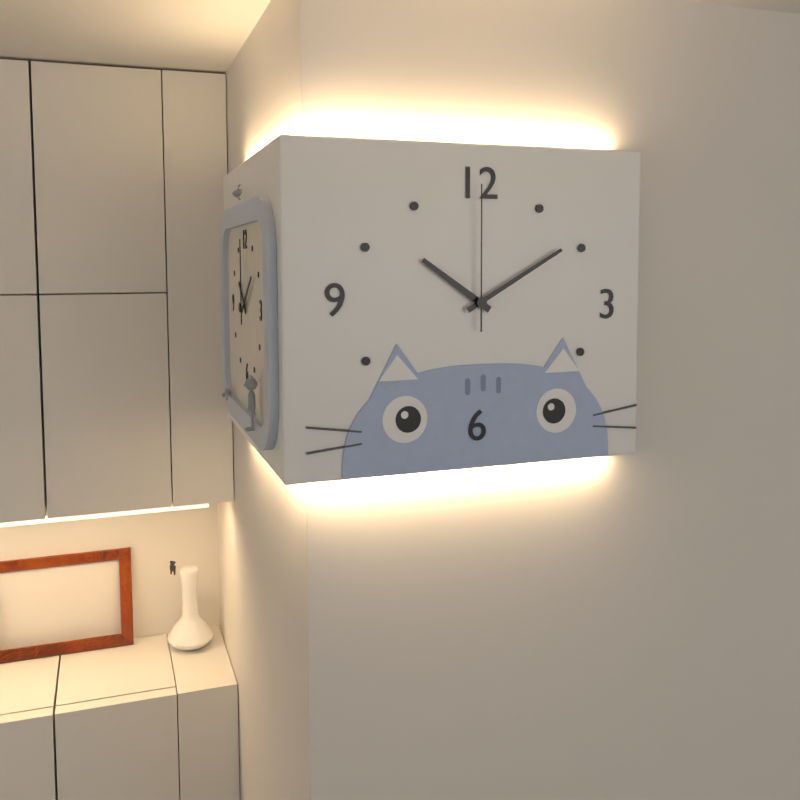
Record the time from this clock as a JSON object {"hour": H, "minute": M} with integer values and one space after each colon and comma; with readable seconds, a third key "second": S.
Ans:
{"hour": 10, "minute": 10, "second": 0}
